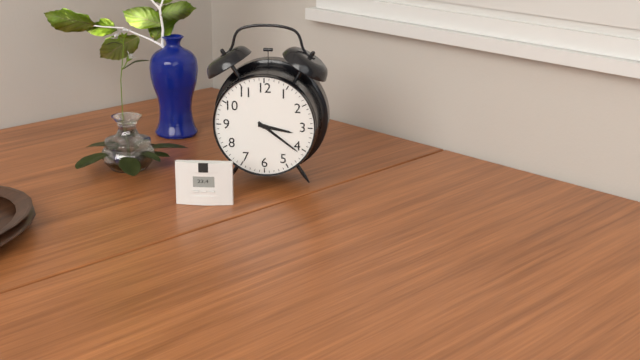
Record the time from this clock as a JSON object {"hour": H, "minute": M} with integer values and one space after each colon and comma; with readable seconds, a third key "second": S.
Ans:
{"hour": 3, "minute": 21}
